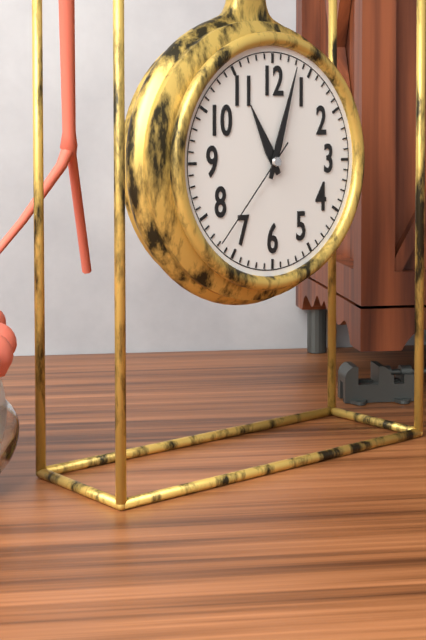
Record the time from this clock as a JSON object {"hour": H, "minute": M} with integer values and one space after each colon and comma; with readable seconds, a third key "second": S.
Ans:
{"hour": 11, "minute": 3, "second": 37}
